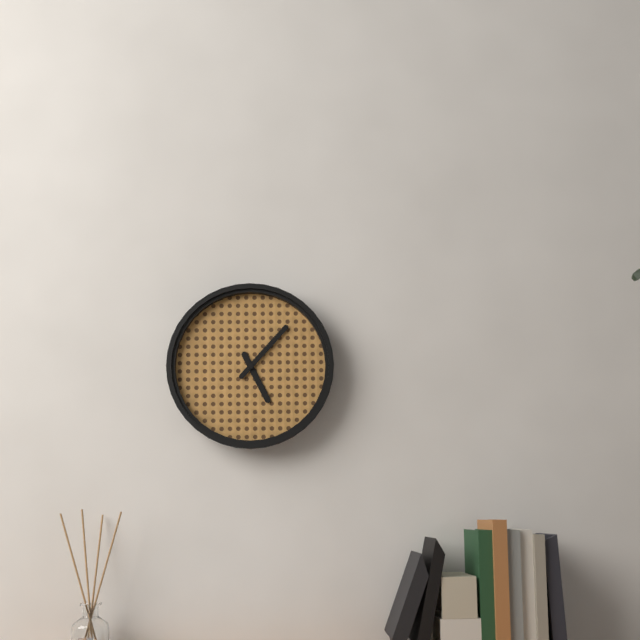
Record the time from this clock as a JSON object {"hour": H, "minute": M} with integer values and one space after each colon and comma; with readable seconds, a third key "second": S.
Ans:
{"hour": 5, "minute": 7}
